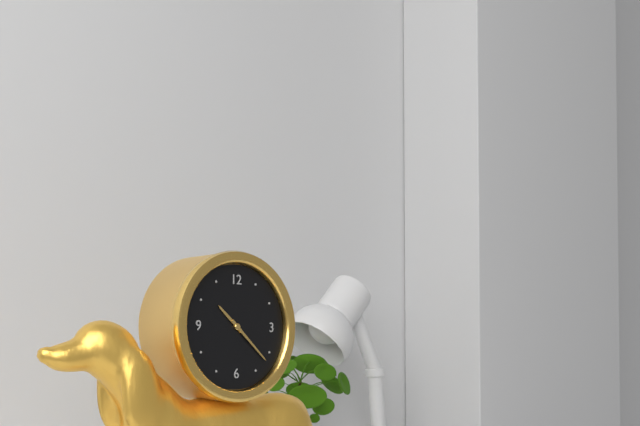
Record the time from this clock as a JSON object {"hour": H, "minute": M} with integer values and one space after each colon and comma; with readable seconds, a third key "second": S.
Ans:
{"hour": 10, "minute": 22}
